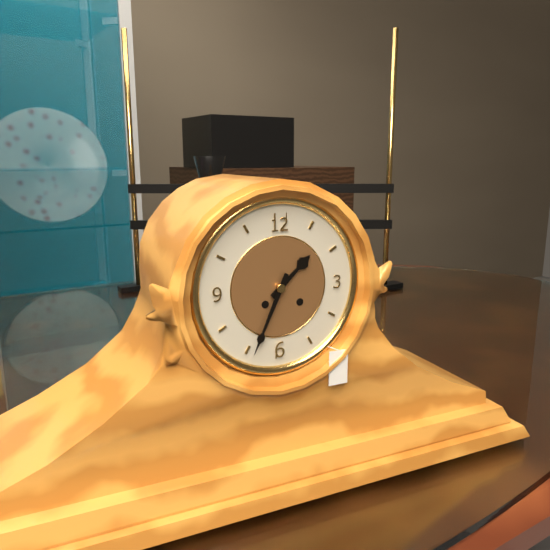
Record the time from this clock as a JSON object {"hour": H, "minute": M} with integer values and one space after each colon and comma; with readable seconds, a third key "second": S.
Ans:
{"hour": 1, "minute": 34}
